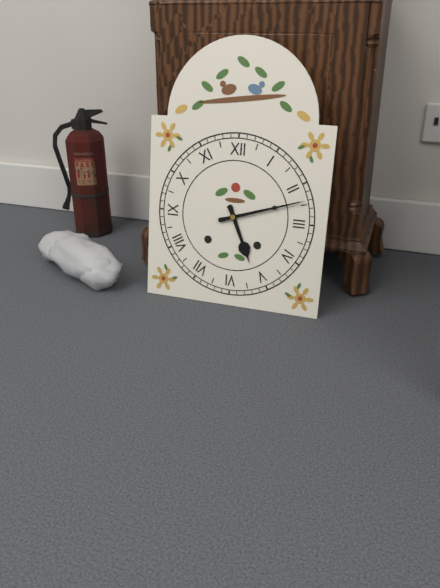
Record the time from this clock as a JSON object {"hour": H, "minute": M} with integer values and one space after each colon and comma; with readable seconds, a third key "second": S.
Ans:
{"hour": 5, "minute": 12}
